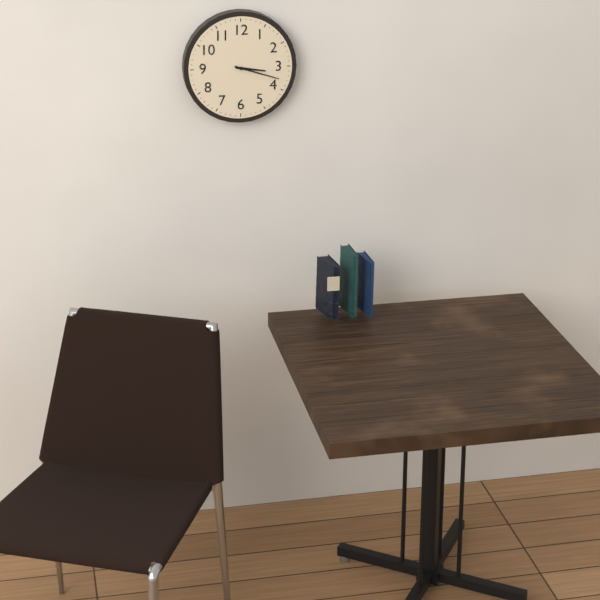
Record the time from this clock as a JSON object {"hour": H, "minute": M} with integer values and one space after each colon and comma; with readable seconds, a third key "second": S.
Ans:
{"hour": 3, "minute": 18}
